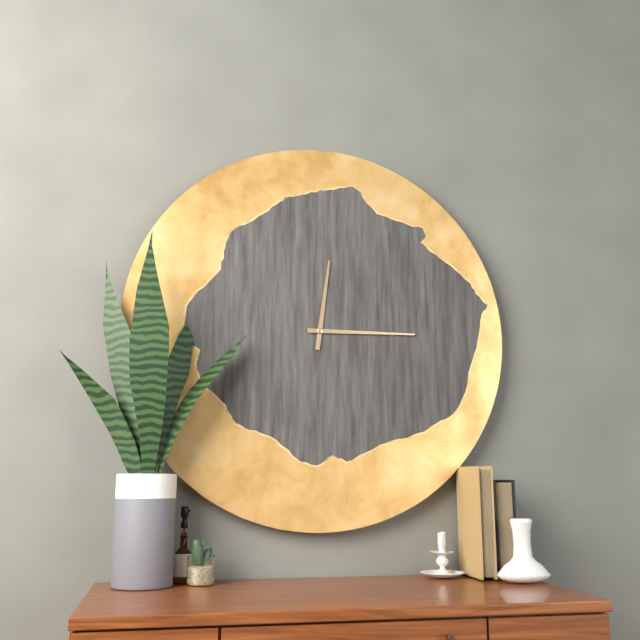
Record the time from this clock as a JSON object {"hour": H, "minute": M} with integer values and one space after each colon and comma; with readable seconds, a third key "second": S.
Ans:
{"hour": 12, "minute": 15}
